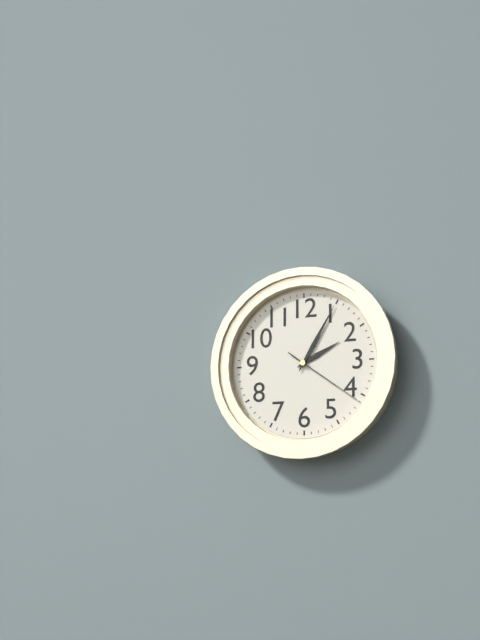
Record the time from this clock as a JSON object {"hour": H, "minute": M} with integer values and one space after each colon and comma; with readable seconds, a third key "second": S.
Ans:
{"hour": 2, "minute": 5, "second": 21}
